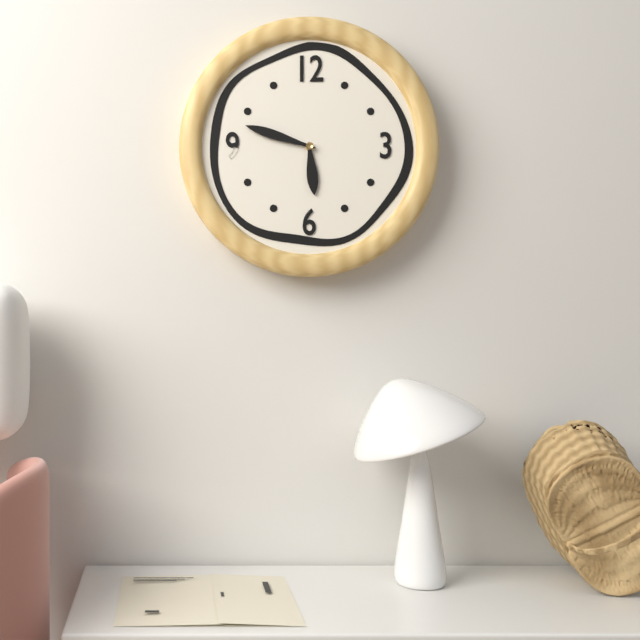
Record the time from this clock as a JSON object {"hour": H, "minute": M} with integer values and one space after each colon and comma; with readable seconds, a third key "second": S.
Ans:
{"hour": 5, "minute": 48}
